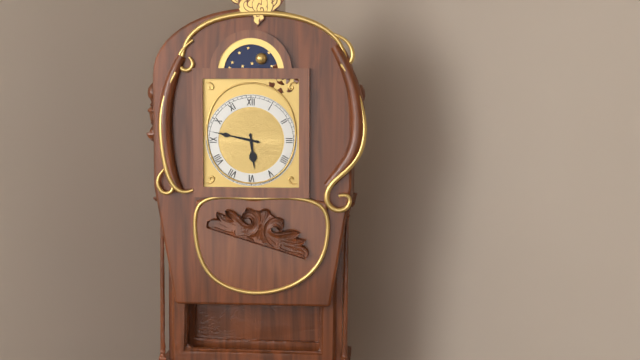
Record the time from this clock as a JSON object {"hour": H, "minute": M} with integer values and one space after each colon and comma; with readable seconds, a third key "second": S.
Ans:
{"hour": 5, "minute": 47}
